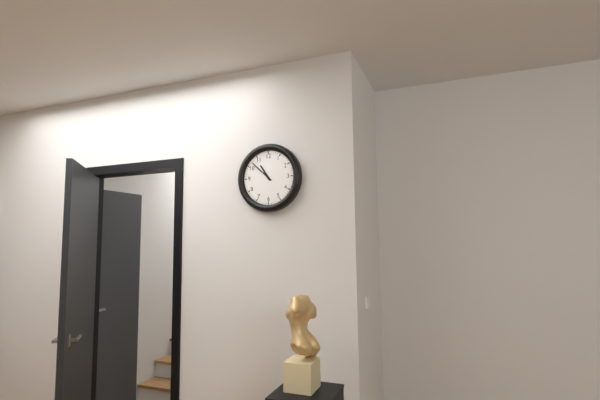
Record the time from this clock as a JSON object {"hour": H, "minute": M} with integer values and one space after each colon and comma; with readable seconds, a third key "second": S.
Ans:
{"hour": 10, "minute": 52}
